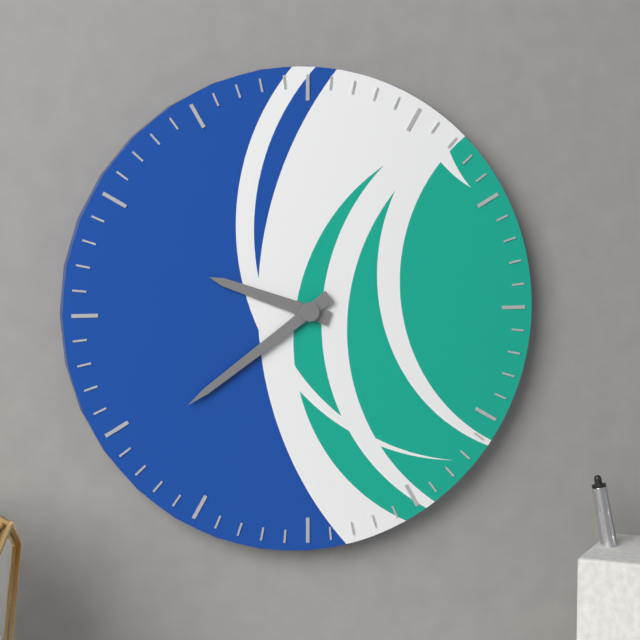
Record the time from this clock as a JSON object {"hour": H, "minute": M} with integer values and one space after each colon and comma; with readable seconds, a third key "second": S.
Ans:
{"hour": 9, "minute": 39}
